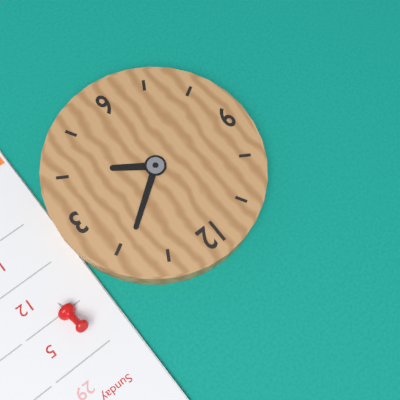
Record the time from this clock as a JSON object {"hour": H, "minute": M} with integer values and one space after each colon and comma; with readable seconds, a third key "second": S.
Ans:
{"hour": 4, "minute": 9}
